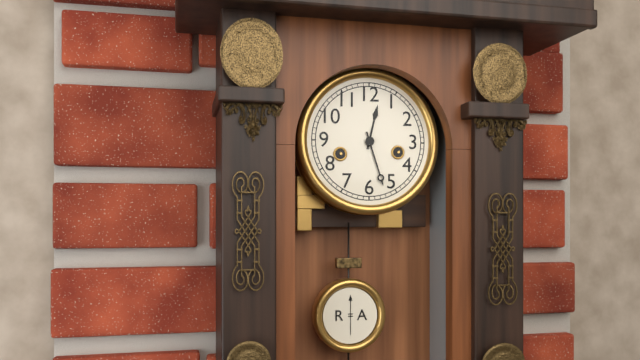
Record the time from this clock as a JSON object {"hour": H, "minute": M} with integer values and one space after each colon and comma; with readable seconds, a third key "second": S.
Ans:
{"hour": 12, "minute": 27}
